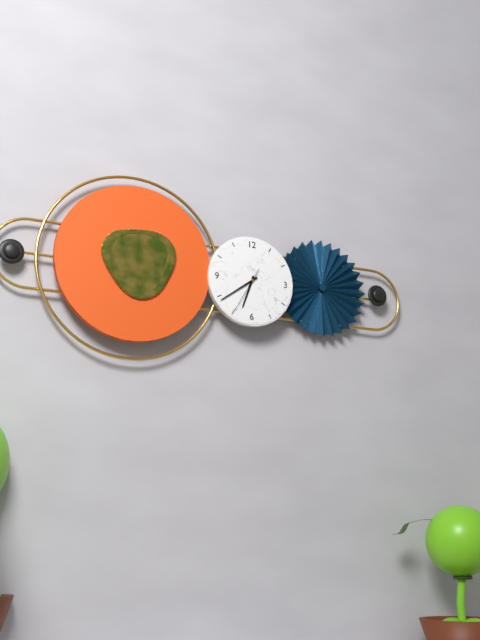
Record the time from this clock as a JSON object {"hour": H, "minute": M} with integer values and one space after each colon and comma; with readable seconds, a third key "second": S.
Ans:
{"hour": 6, "minute": 39}
